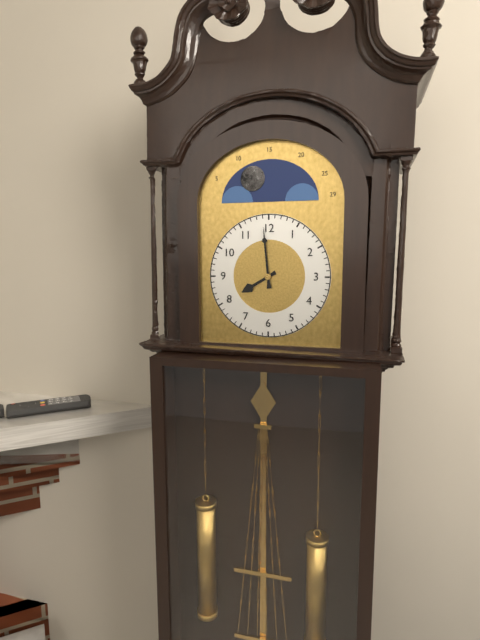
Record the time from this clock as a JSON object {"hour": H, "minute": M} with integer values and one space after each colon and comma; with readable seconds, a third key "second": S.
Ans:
{"hour": 7, "minute": 59}
